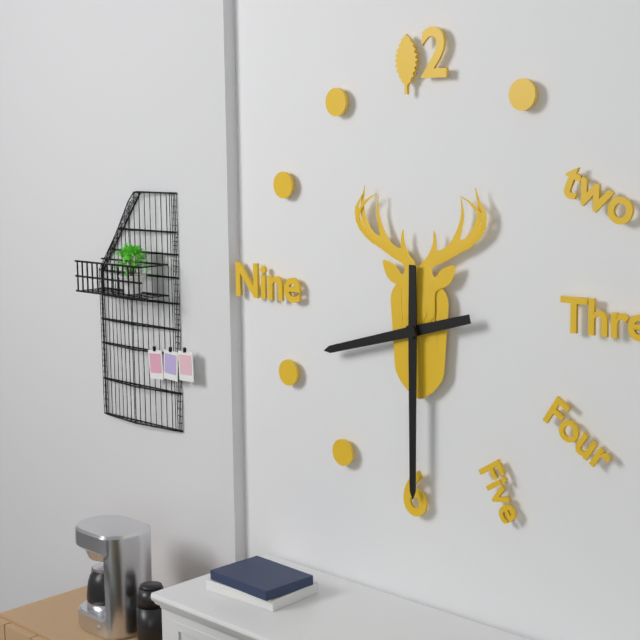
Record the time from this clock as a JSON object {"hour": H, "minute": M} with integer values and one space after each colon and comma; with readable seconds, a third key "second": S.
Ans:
{"hour": 8, "minute": 30}
